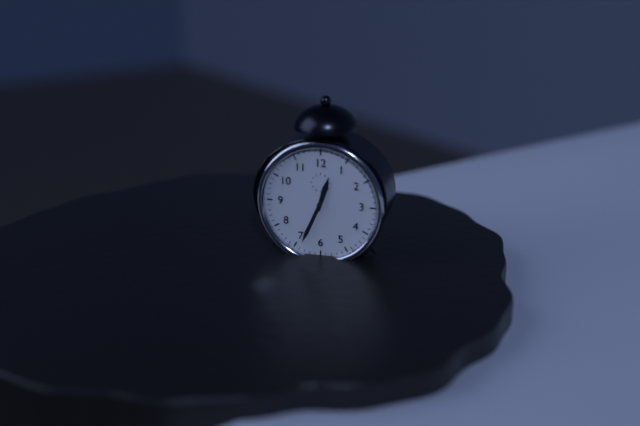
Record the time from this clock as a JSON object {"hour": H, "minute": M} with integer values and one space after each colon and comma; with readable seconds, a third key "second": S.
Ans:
{"hour": 12, "minute": 34}
